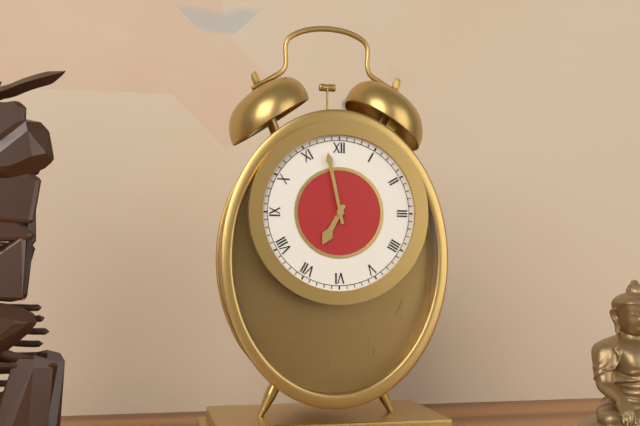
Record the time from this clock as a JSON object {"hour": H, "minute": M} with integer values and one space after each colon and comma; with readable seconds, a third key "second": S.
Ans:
{"hour": 6, "minute": 58}
